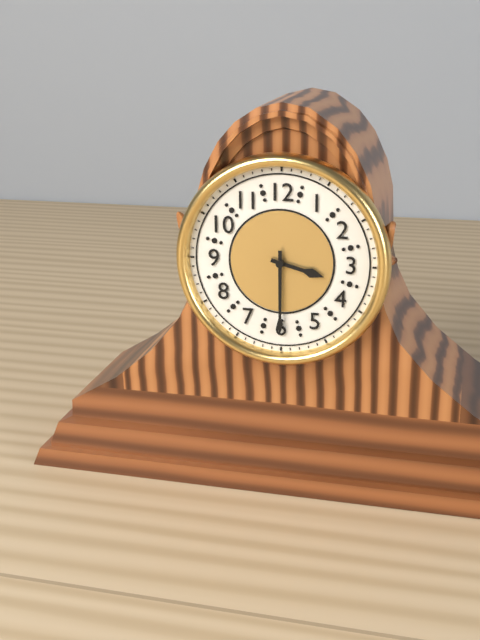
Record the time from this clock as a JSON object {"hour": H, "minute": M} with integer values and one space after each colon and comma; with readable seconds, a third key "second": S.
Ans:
{"hour": 3, "minute": 30}
